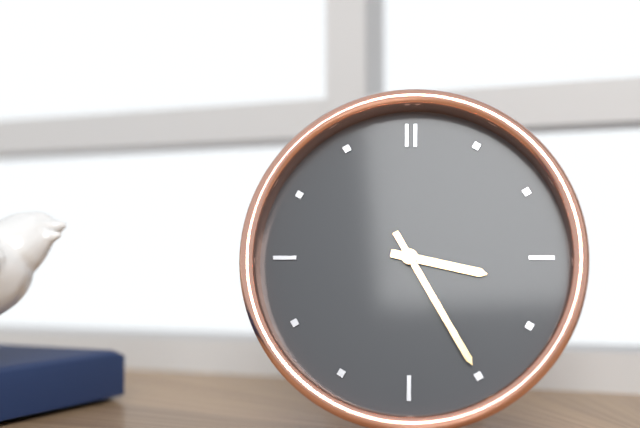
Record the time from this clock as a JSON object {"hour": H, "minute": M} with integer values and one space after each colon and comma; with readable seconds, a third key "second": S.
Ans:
{"hour": 3, "minute": 25}
